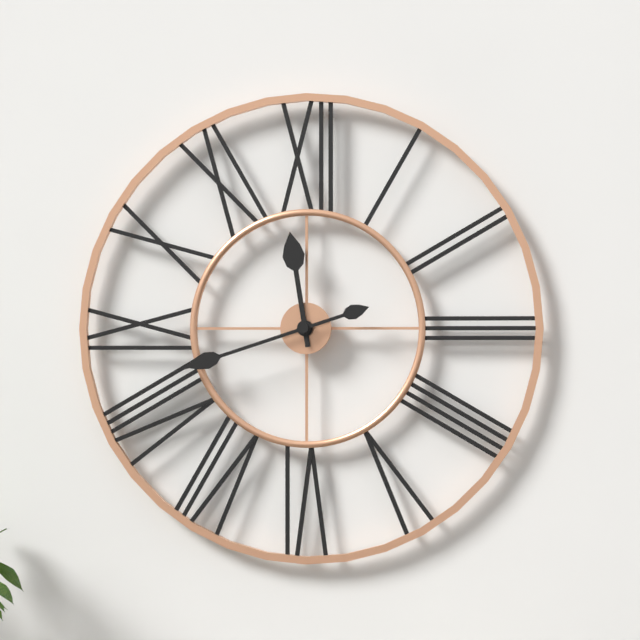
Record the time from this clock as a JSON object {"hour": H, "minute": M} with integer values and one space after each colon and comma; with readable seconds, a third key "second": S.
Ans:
{"hour": 11, "minute": 42}
